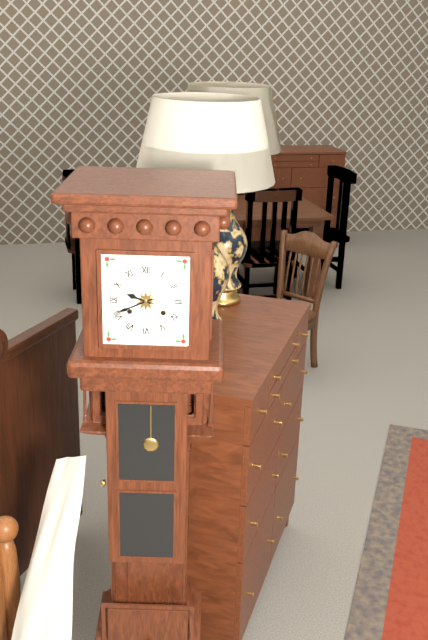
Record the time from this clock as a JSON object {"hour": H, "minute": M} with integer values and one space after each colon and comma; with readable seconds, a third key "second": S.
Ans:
{"hour": 9, "minute": 41}
